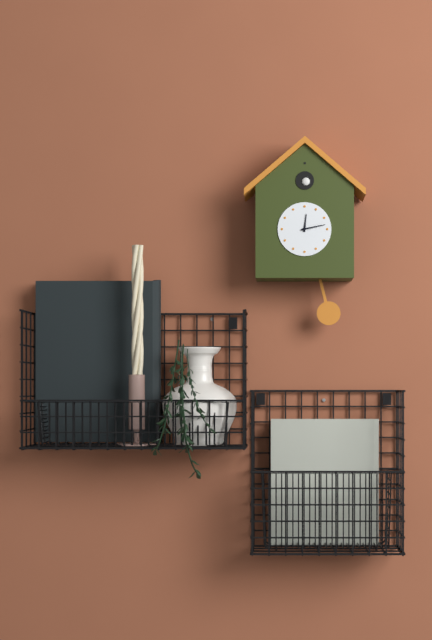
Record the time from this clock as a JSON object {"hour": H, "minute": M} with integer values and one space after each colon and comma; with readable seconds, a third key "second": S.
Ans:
{"hour": 12, "minute": 13}
